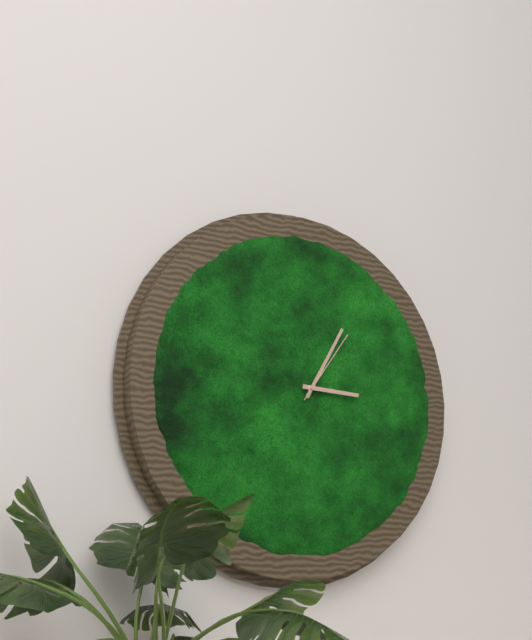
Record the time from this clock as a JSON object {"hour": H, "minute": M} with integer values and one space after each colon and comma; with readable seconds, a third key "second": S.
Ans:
{"hour": 3, "minute": 5, "second": 6}
